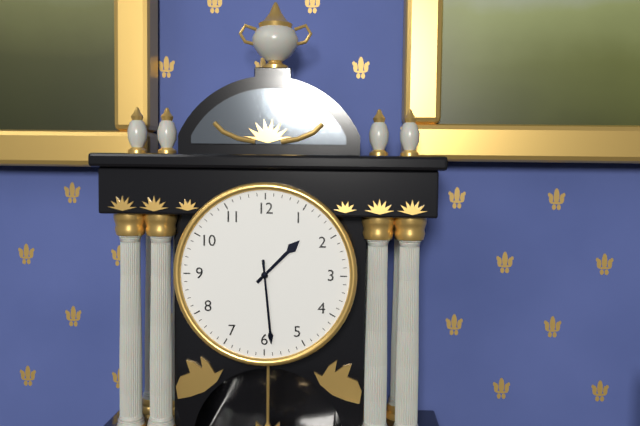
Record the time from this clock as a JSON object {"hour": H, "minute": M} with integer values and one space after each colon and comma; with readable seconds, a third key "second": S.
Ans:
{"hour": 1, "minute": 29}
